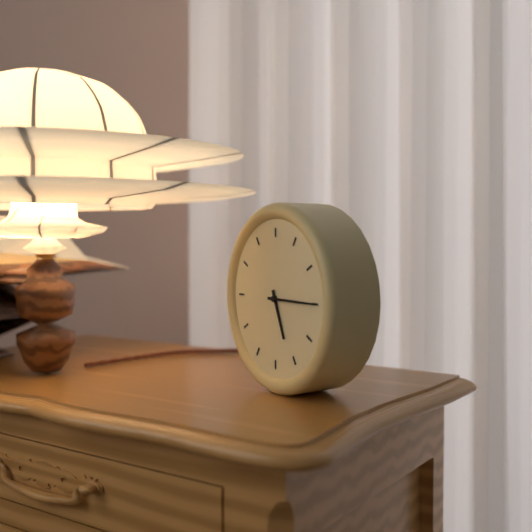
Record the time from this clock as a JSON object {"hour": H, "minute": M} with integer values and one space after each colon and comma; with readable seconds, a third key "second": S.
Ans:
{"hour": 5, "minute": 15}
